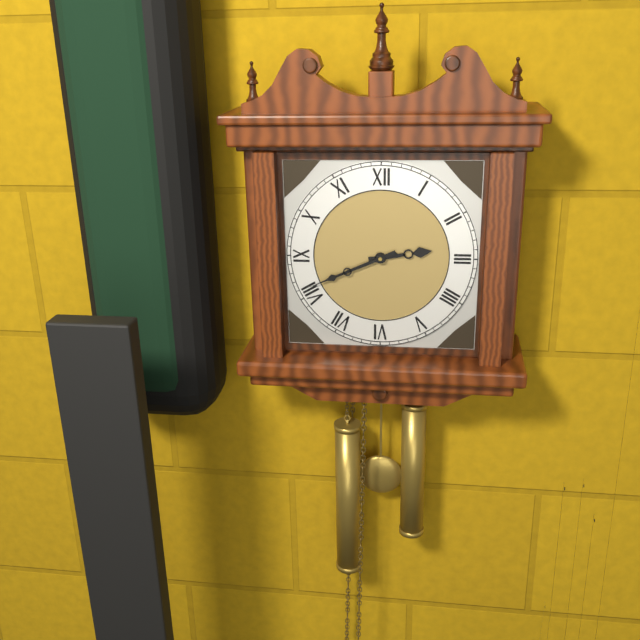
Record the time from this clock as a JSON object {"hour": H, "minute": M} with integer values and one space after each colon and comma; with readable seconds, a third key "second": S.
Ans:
{"hour": 2, "minute": 41}
